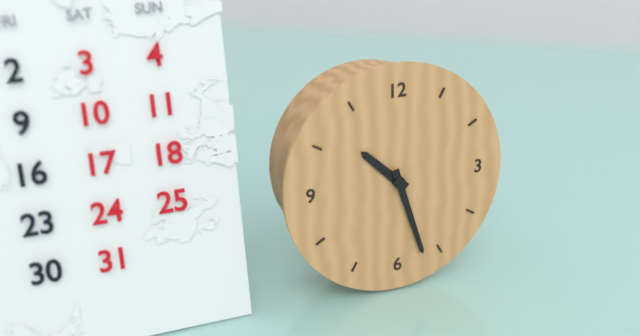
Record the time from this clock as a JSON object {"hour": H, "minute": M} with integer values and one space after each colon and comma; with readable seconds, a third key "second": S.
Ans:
{"hour": 10, "minute": 27}
